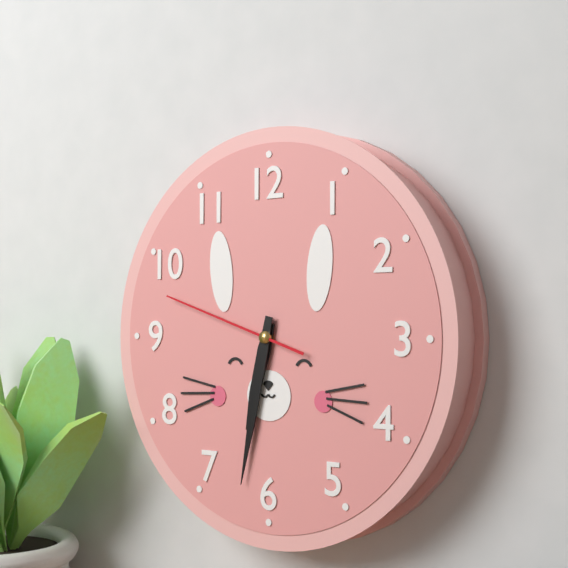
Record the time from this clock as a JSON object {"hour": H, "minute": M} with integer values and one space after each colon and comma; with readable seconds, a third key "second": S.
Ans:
{"hour": 6, "minute": 32, "second": 48}
